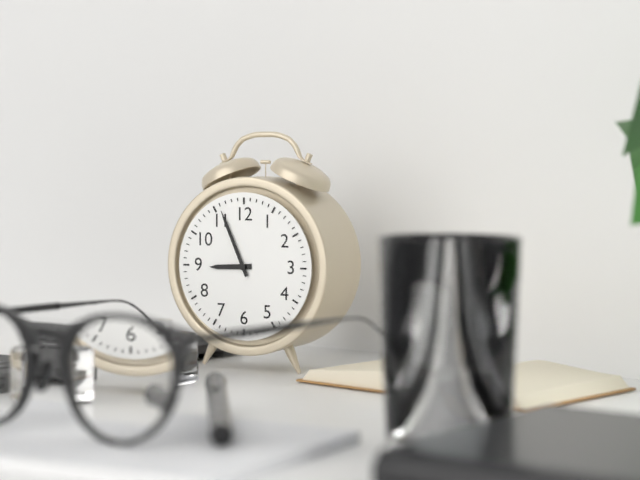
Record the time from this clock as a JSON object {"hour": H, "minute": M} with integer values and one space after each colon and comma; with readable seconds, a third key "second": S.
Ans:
{"hour": 8, "minute": 56}
